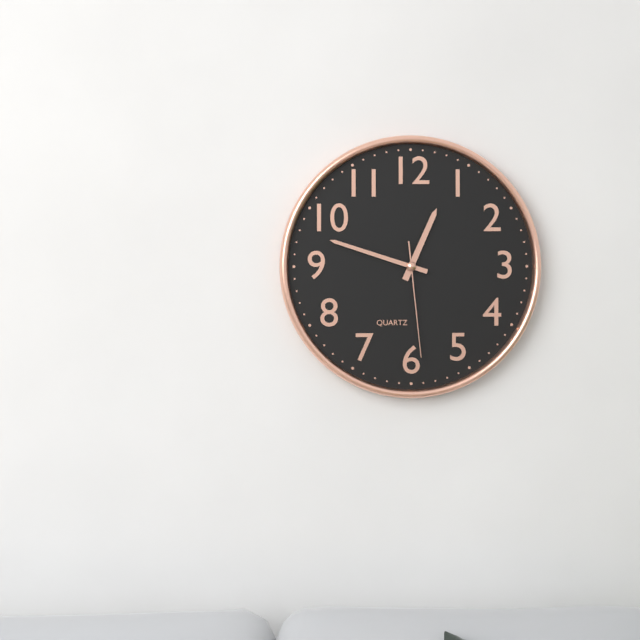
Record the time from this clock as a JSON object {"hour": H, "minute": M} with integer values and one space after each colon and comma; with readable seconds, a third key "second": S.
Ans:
{"hour": 12, "minute": 48, "second": 29}
